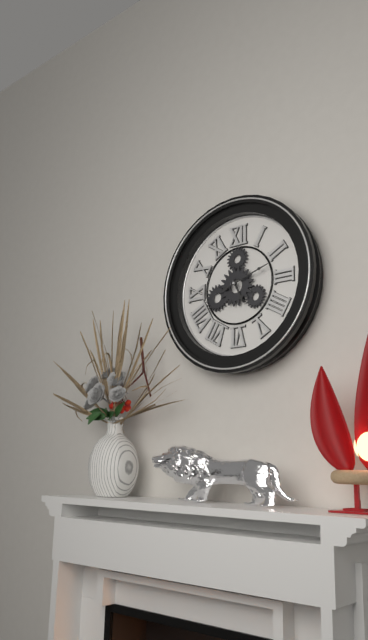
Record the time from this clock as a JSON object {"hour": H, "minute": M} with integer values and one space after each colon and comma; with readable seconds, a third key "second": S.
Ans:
{"hour": 5, "minute": 12}
